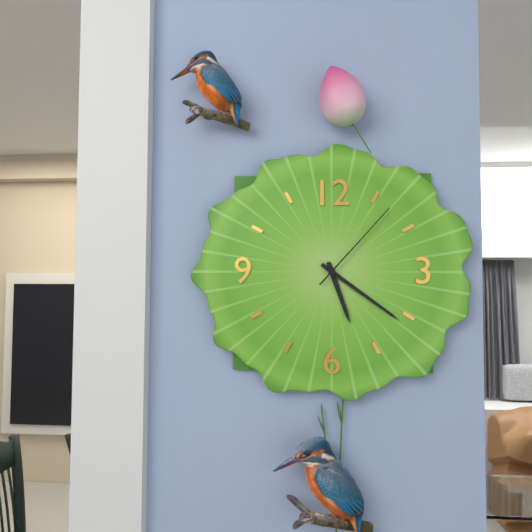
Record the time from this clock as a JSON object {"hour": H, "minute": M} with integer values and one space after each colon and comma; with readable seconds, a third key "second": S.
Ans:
{"hour": 5, "minute": 21, "second": 7}
